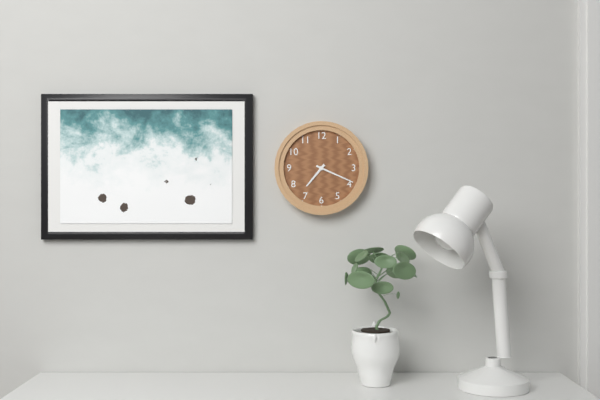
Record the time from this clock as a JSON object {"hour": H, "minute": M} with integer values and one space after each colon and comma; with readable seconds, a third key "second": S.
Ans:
{"hour": 7, "minute": 19}
